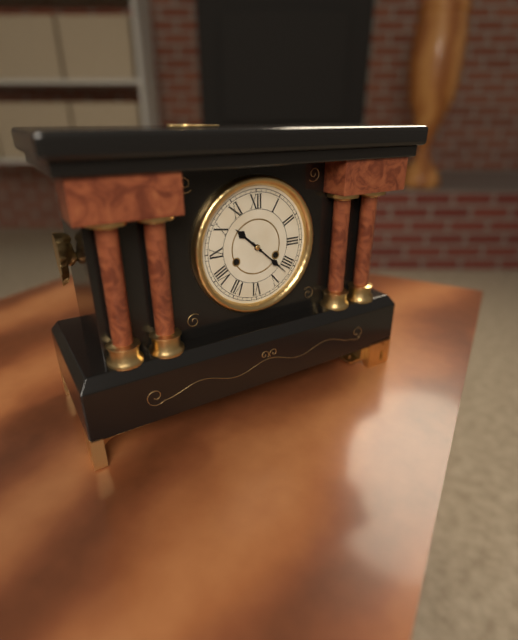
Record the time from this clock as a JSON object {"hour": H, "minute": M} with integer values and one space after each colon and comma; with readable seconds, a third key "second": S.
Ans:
{"hour": 10, "minute": 22}
